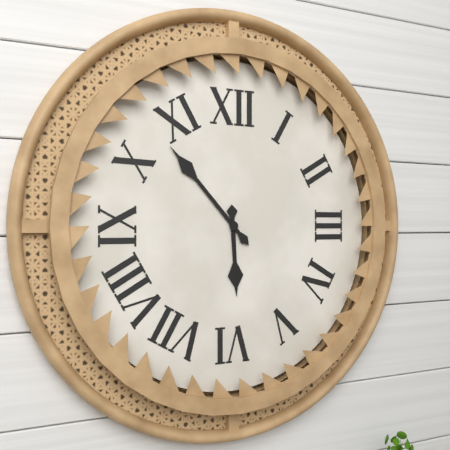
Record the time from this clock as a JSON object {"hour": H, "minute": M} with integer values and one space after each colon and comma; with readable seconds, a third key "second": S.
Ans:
{"hour": 5, "minute": 53}
